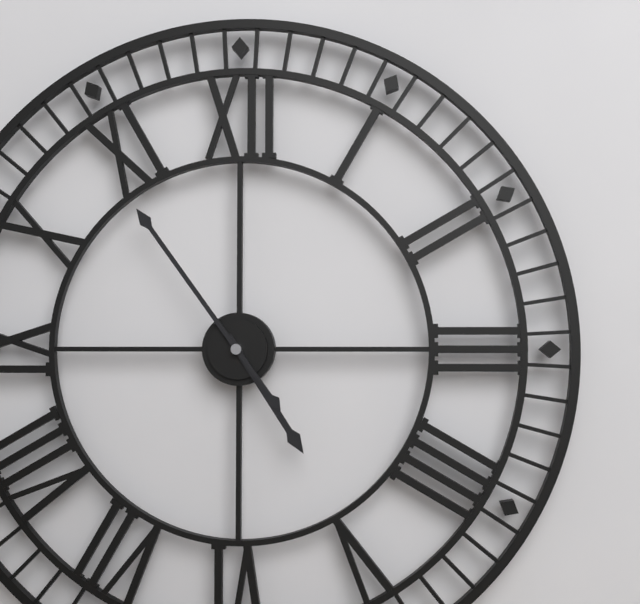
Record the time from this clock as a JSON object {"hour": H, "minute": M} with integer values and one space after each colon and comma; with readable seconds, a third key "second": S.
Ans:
{"hour": 4, "minute": 54}
